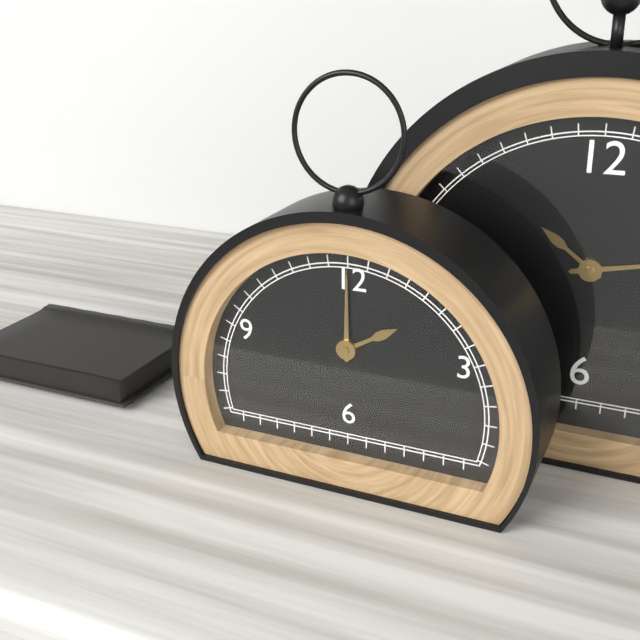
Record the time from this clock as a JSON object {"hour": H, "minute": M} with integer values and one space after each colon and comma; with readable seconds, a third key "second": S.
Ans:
{"hour": 2, "minute": 0}
